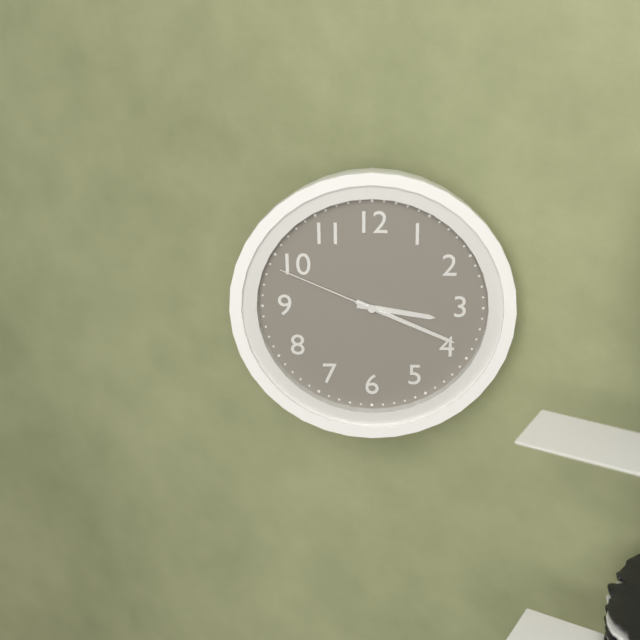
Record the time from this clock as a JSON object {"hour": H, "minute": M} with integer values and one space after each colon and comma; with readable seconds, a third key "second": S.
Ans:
{"hour": 3, "minute": 19, "second": 49}
